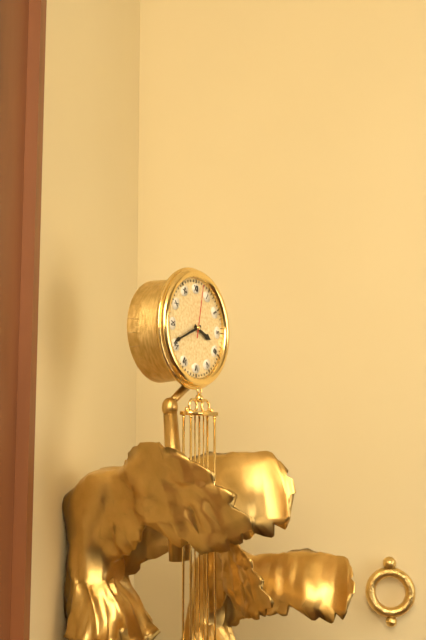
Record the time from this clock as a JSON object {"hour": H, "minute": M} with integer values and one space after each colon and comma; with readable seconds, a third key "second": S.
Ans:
{"hour": 3, "minute": 41, "second": 2}
